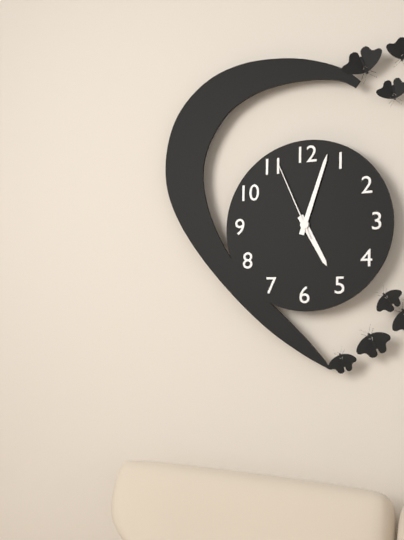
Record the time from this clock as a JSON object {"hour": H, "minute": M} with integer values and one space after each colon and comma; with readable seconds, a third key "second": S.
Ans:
{"hour": 5, "minute": 3, "second": 56}
